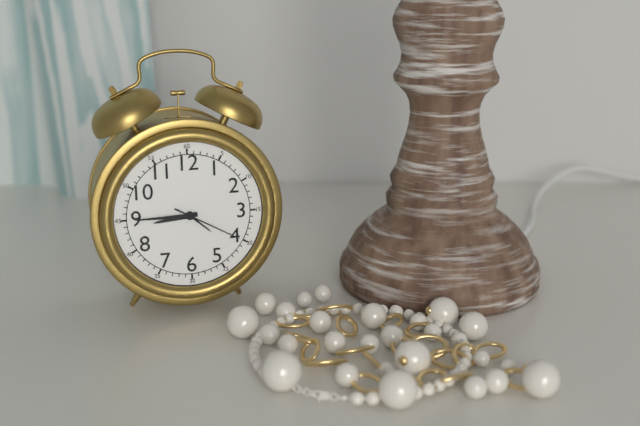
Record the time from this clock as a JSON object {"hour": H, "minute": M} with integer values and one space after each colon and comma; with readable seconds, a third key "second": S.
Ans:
{"hour": 8, "minute": 45, "second": 20}
